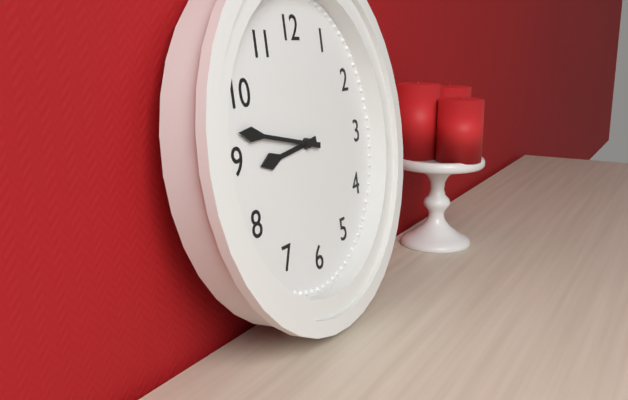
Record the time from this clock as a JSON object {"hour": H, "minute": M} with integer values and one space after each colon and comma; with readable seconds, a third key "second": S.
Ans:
{"hour": 8, "minute": 47}
